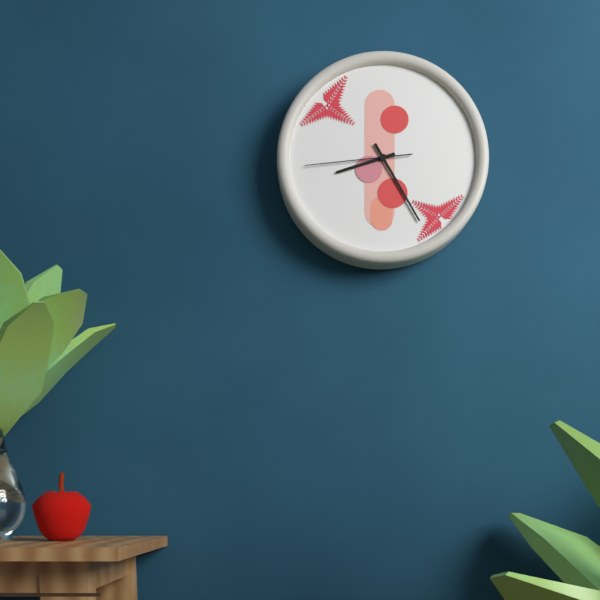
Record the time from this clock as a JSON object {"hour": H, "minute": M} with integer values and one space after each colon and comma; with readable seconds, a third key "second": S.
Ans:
{"hour": 8, "minute": 25, "second": 44}
